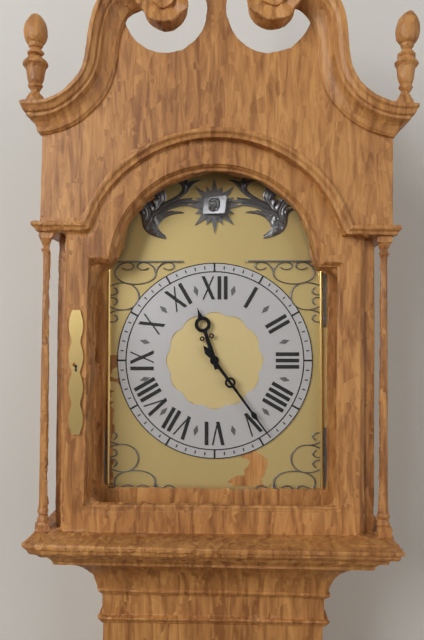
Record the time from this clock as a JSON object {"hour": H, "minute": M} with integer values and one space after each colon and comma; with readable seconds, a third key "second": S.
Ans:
{"hour": 11, "minute": 24}
